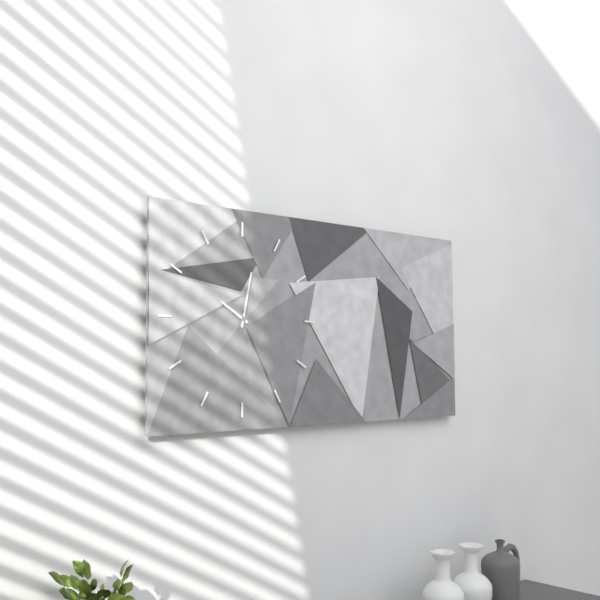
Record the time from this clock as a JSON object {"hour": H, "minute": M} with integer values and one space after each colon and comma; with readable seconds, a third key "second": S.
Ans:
{"hour": 10, "minute": 2}
